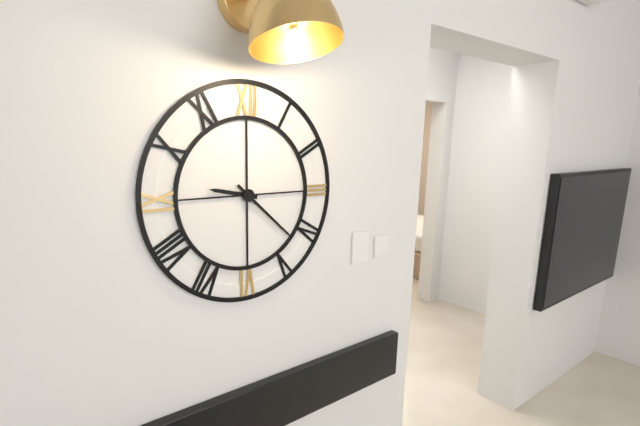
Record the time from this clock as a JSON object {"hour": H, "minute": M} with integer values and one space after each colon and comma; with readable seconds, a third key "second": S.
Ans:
{"hour": 9, "minute": 22}
